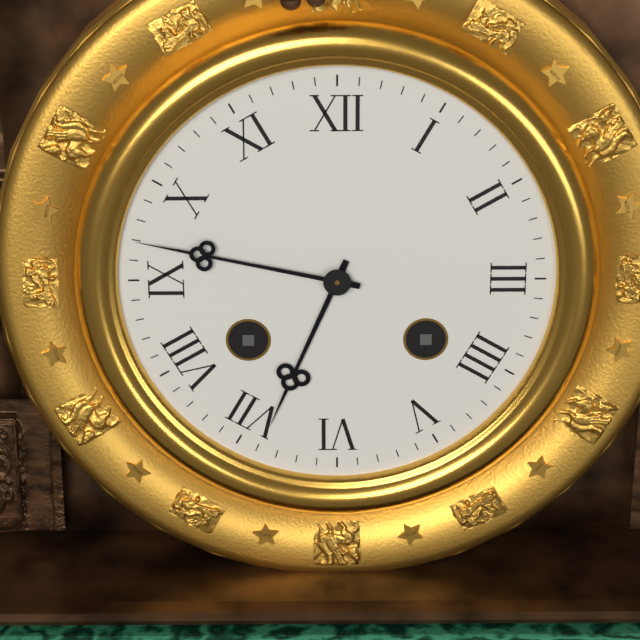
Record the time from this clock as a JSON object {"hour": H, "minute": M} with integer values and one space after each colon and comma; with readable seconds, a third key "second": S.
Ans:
{"hour": 6, "minute": 47}
